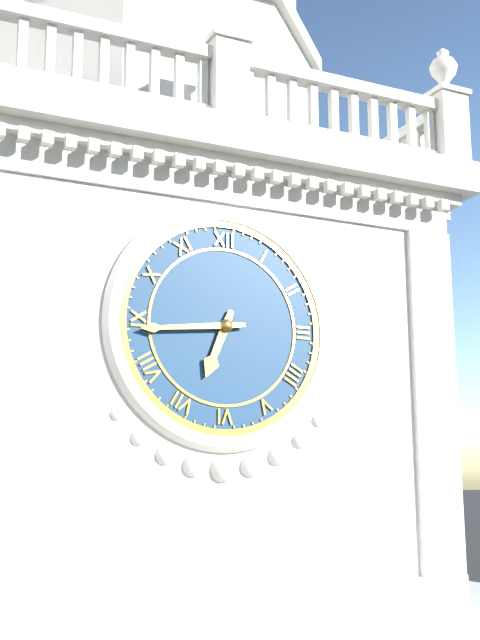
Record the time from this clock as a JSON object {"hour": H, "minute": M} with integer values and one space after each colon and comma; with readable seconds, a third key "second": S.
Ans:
{"hour": 6, "minute": 44}
